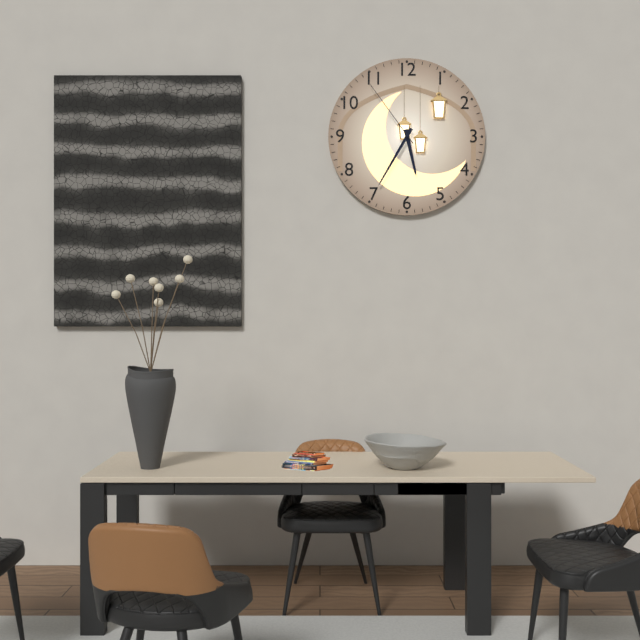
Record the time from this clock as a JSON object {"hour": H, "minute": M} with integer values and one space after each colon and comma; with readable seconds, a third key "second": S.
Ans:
{"hour": 5, "minute": 35, "second": 54}
